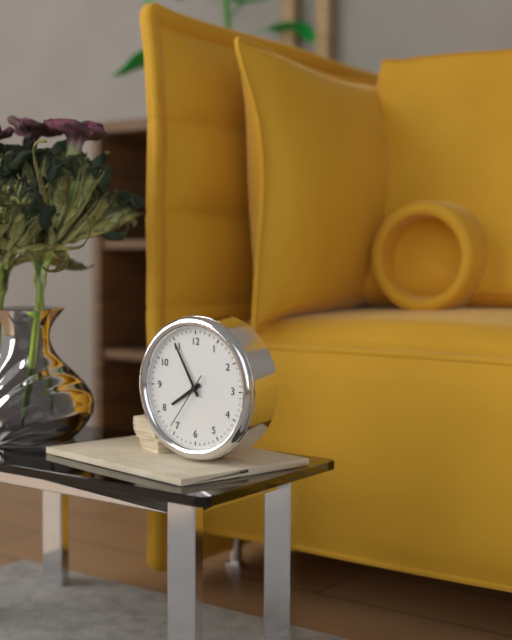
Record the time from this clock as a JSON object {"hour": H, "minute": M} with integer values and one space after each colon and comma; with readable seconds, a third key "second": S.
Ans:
{"hour": 7, "minute": 55, "second": 36}
